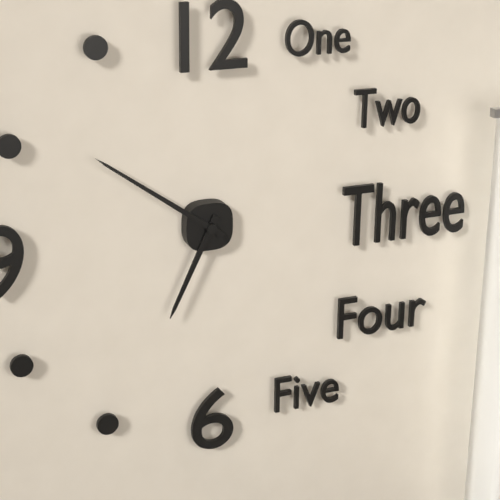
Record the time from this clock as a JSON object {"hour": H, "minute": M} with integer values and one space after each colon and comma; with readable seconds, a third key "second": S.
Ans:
{"hour": 6, "minute": 51}
